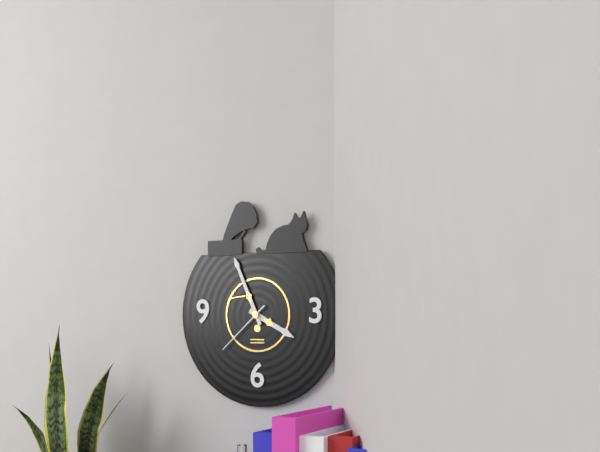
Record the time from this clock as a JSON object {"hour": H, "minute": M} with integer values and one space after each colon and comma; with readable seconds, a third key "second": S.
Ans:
{"hour": 3, "minute": 56, "second": 38}
